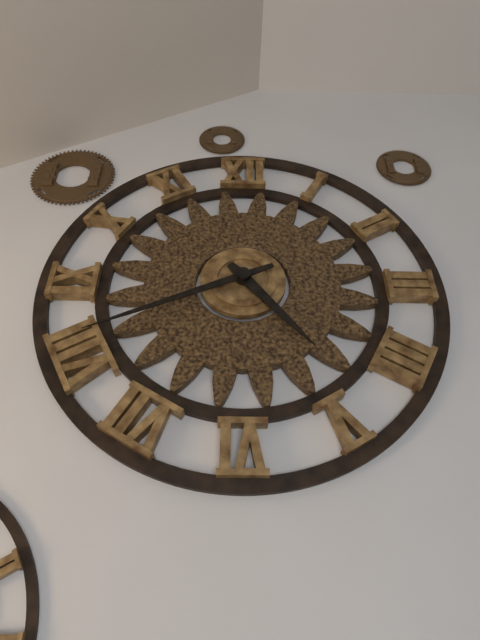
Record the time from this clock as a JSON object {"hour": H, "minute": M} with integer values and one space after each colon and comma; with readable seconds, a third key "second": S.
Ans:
{"hour": 4, "minute": 41}
